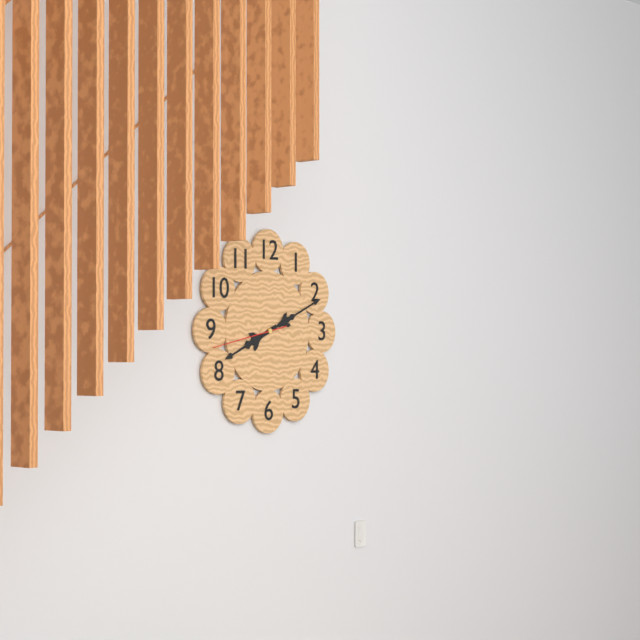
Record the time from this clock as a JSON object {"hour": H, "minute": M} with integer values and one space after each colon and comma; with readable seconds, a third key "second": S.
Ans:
{"hour": 8, "minute": 11, "second": 43}
